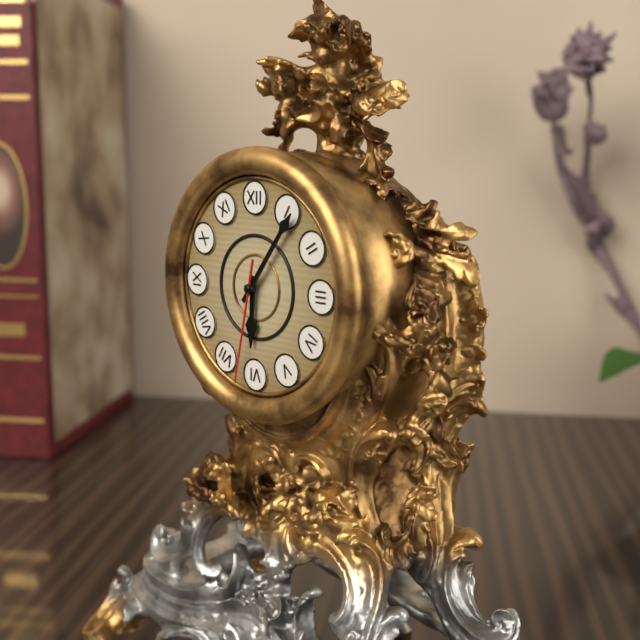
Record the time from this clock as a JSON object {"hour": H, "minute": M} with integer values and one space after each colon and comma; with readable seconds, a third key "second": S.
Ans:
{"hour": 6, "minute": 6, "second": 32}
